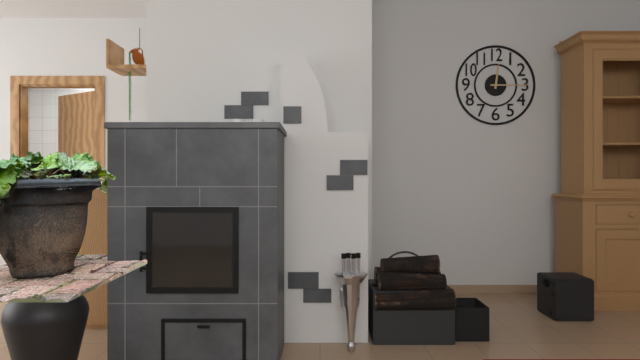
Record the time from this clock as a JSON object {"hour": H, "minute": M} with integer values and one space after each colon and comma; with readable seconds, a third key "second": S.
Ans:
{"hour": 12, "minute": 15}
